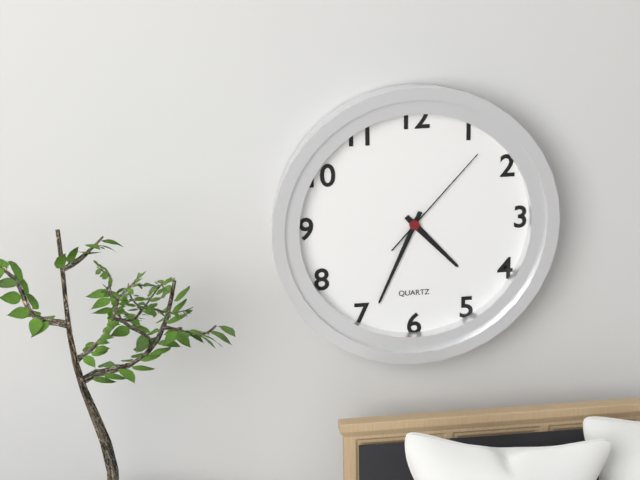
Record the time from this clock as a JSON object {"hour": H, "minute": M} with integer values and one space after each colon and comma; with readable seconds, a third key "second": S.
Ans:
{"hour": 4, "minute": 34, "second": 7}
